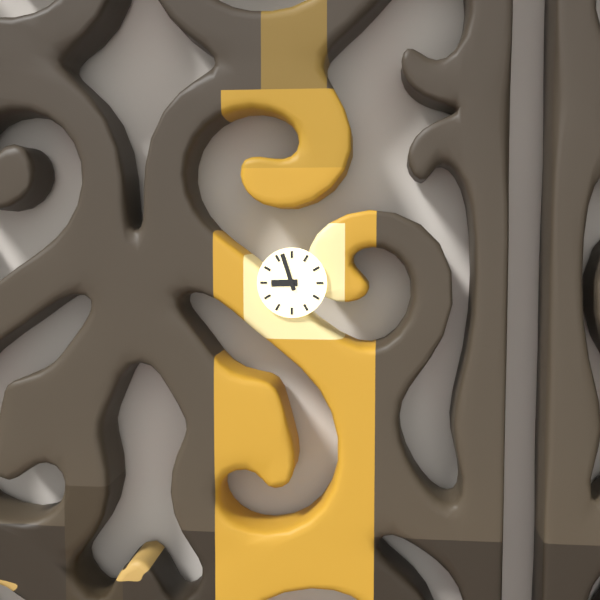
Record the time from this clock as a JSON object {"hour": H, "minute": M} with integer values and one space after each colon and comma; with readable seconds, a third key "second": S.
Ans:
{"hour": 8, "minute": 57}
